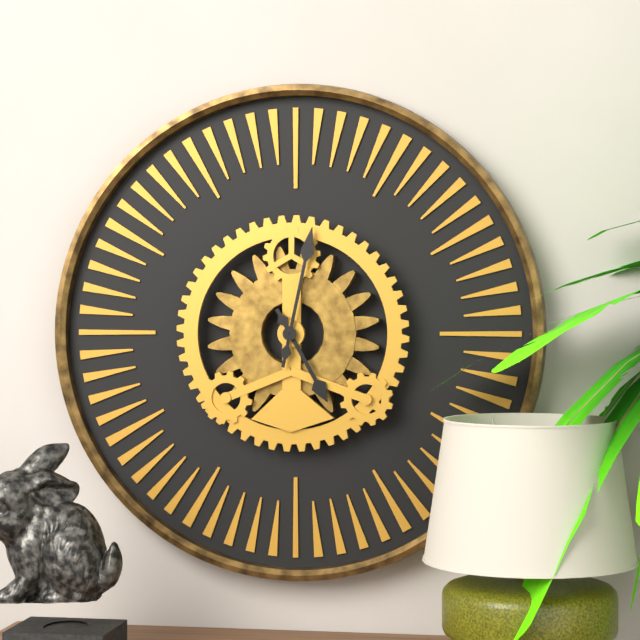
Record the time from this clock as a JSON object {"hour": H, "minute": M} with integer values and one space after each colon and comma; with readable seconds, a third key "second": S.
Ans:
{"hour": 5, "minute": 2}
